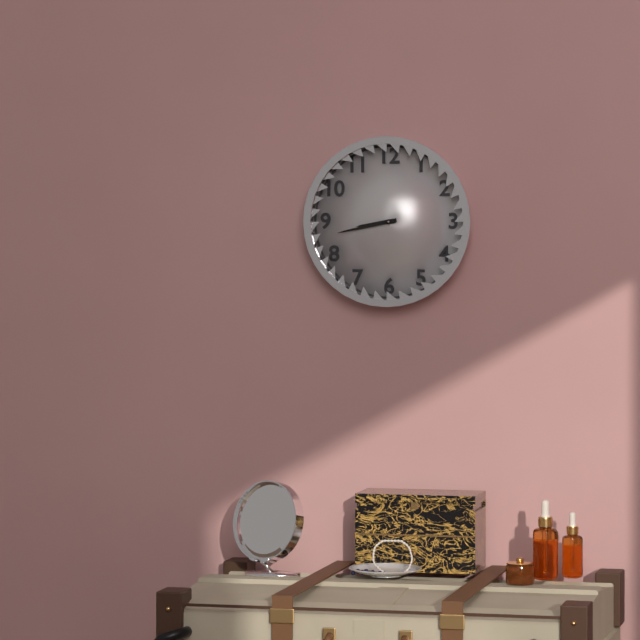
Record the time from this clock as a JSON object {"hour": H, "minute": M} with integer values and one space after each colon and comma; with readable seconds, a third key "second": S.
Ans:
{"hour": 8, "minute": 43}
